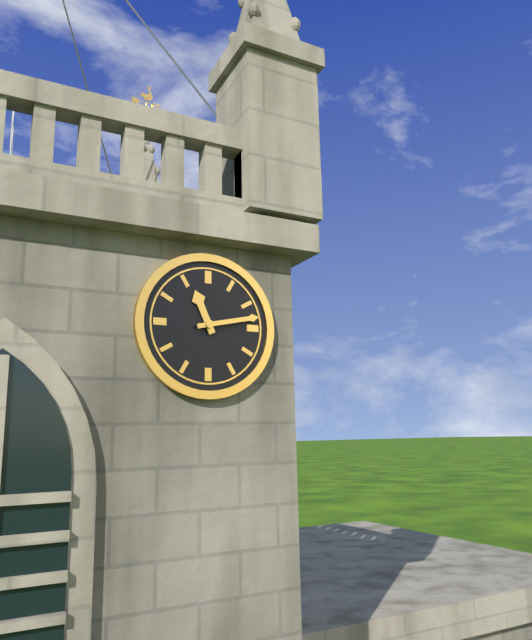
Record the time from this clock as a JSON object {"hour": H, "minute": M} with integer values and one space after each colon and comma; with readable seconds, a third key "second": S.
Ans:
{"hour": 11, "minute": 13}
